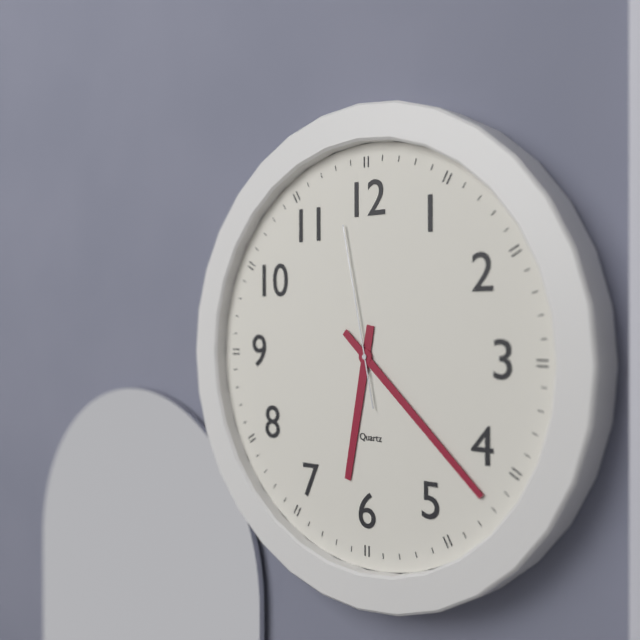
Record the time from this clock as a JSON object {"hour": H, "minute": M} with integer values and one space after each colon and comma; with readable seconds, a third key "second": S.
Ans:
{"hour": 6, "minute": 22, "second": 58}
